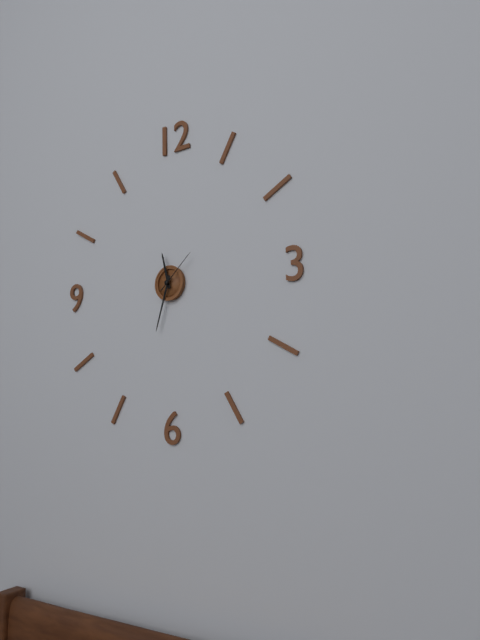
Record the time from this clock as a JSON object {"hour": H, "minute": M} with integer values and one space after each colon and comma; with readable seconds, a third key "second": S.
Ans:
{"hour": 11, "minute": 33}
